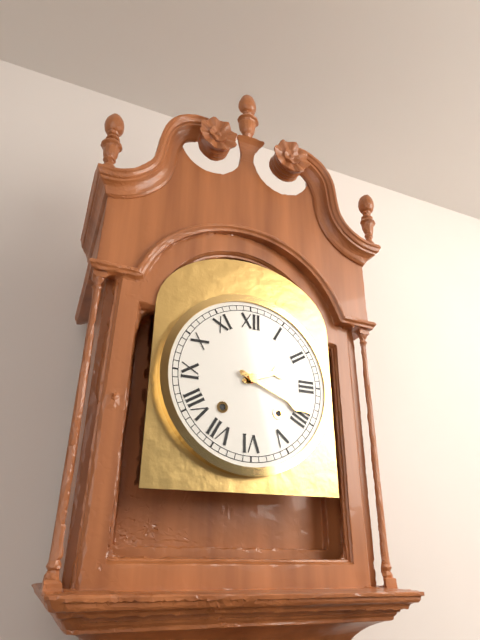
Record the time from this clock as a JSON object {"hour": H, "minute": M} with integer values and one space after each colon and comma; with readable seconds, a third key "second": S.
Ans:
{"hour": 2, "minute": 19}
